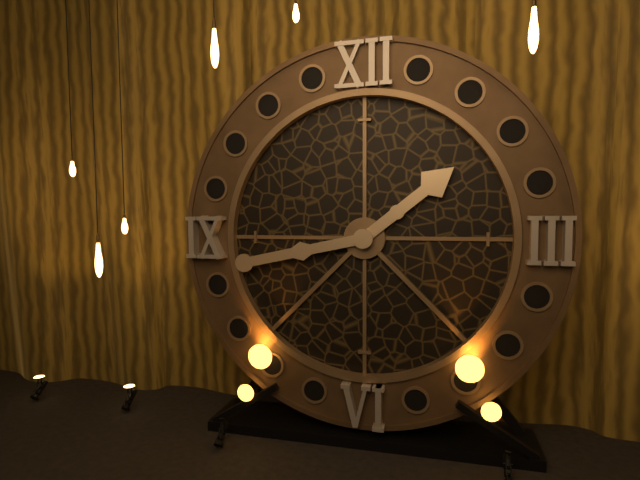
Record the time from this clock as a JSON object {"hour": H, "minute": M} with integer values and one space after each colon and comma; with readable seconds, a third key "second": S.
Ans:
{"hour": 1, "minute": 43}
